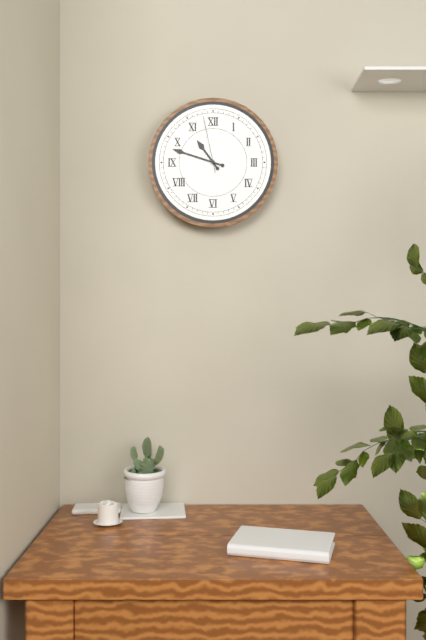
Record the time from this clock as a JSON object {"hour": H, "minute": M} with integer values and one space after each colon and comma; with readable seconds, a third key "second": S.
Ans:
{"hour": 10, "minute": 48, "second": 58}
